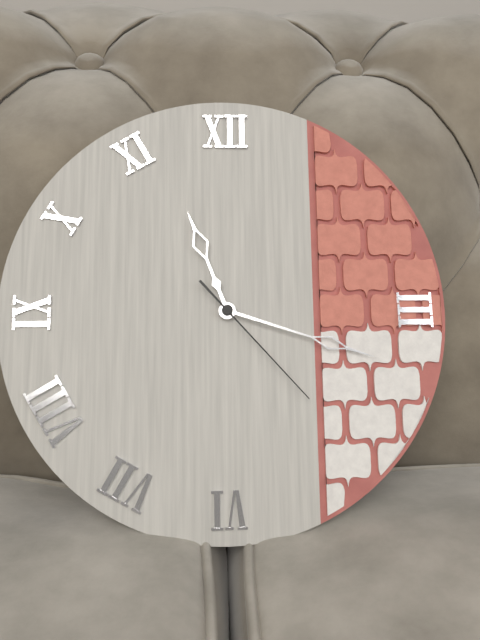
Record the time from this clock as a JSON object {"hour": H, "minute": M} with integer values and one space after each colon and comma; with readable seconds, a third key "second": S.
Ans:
{"hour": 11, "minute": 18, "second": 23}
